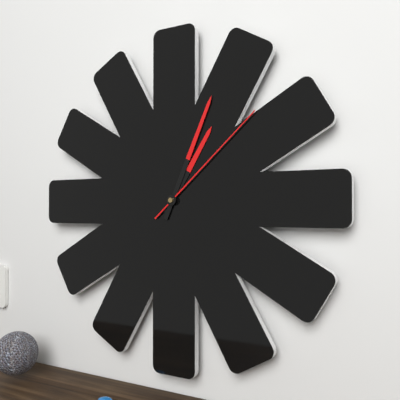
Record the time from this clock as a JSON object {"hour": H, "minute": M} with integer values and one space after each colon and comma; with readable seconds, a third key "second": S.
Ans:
{"hour": 1, "minute": 4, "second": 8}
